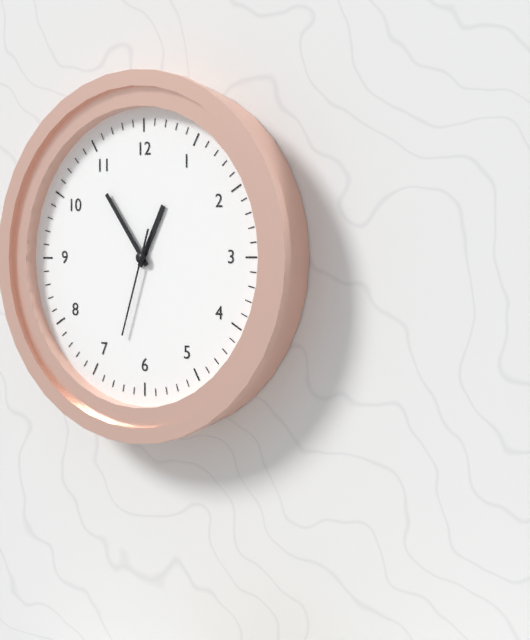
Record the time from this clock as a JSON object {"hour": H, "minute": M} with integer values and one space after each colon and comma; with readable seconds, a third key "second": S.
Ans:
{"hour": 12, "minute": 54, "second": 33}
